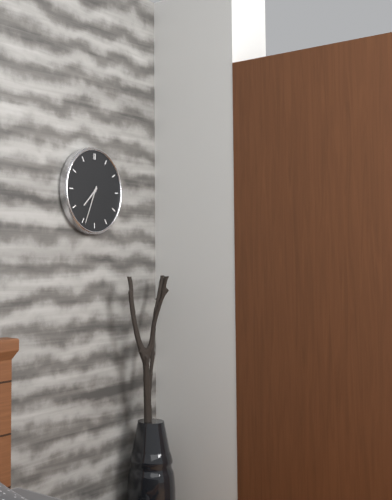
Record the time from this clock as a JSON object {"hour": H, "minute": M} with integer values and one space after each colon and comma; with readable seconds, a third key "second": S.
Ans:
{"hour": 7, "minute": 34}
